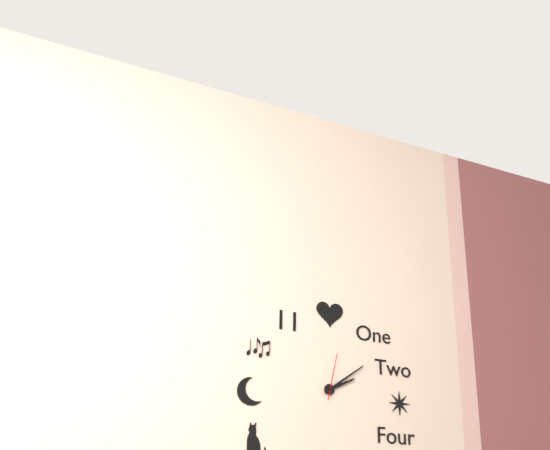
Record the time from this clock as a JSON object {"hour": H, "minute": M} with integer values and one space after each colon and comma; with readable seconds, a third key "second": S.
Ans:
{"hour": 2, "minute": 9}
